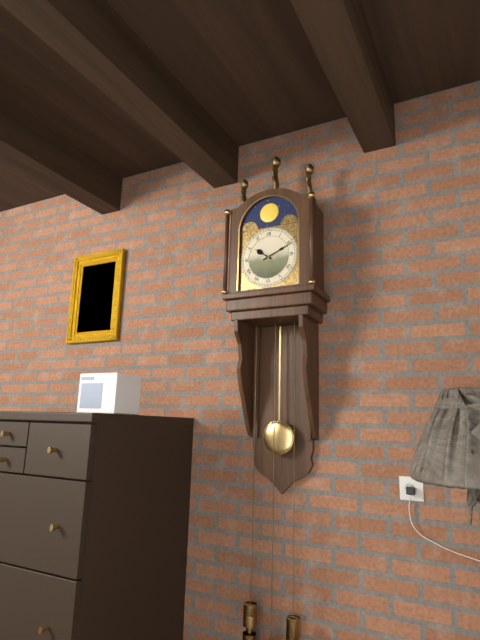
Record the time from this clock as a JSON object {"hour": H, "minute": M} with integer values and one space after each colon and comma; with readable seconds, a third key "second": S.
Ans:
{"hour": 10, "minute": 11}
